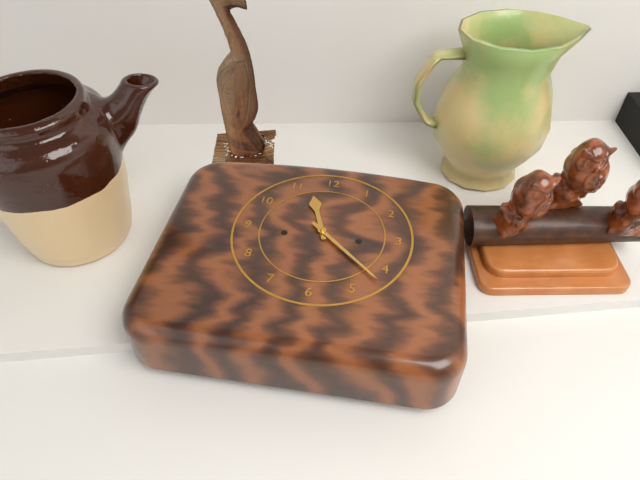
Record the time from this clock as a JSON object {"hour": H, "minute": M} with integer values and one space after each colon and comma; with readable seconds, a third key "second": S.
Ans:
{"hour": 11, "minute": 22}
